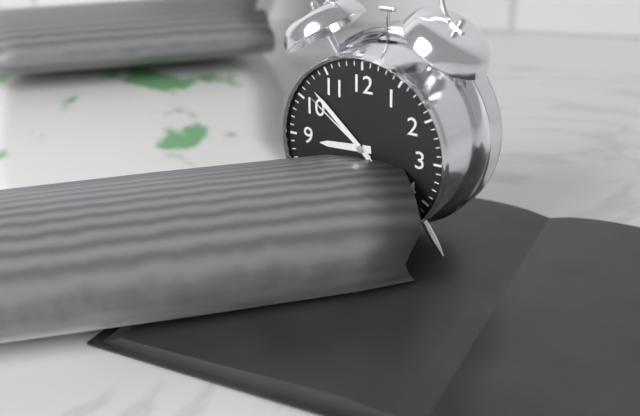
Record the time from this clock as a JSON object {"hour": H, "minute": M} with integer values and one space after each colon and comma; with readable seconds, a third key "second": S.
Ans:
{"hour": 8, "minute": 52, "second": 51}
